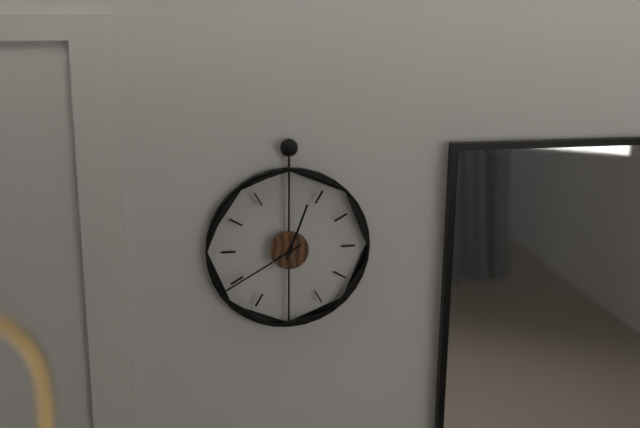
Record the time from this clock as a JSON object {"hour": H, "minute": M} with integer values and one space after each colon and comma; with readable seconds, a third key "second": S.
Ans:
{"hour": 12, "minute": 40}
